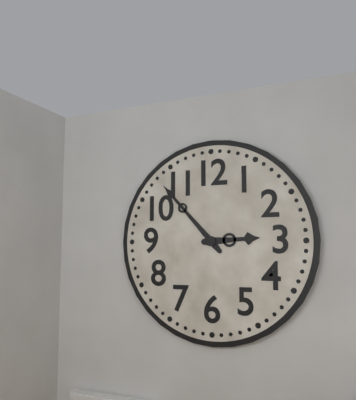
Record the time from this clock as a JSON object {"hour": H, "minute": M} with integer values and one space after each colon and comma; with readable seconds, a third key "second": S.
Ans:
{"hour": 2, "minute": 53}
